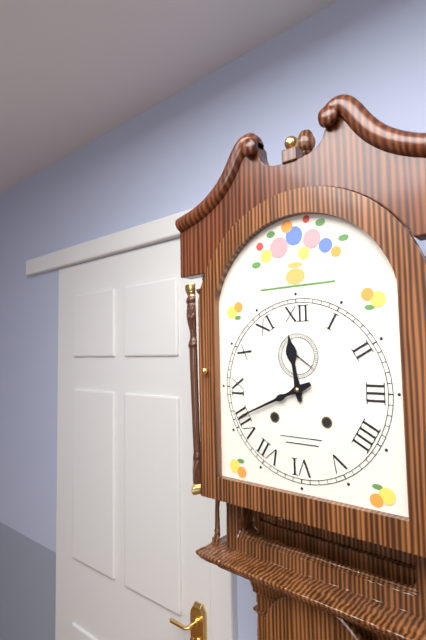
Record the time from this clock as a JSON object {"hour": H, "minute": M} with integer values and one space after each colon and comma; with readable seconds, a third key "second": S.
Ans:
{"hour": 11, "minute": 41}
